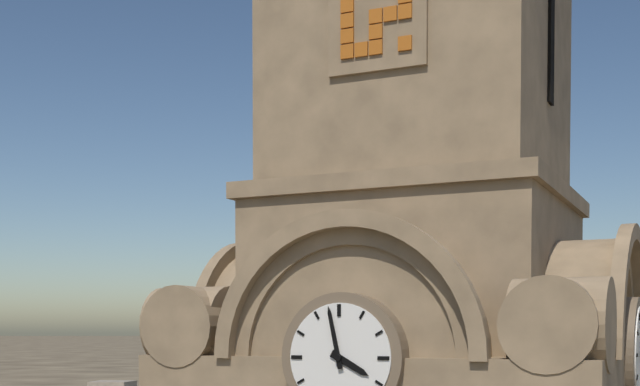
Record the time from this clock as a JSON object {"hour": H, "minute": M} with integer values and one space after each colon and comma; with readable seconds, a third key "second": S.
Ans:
{"hour": 3, "minute": 58}
